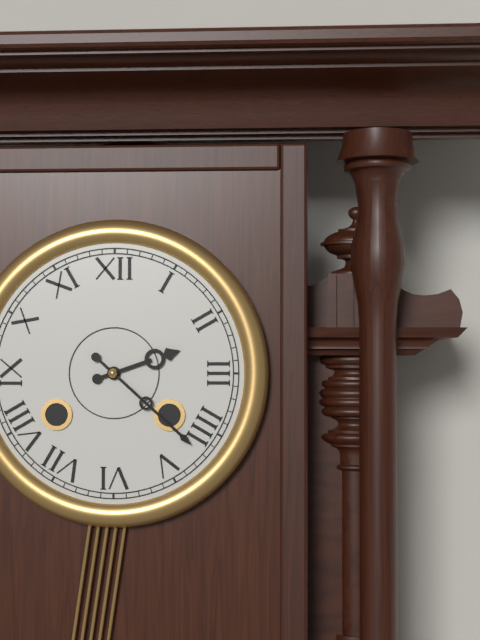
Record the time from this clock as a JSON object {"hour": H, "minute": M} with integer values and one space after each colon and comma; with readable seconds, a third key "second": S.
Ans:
{"hour": 2, "minute": 22}
